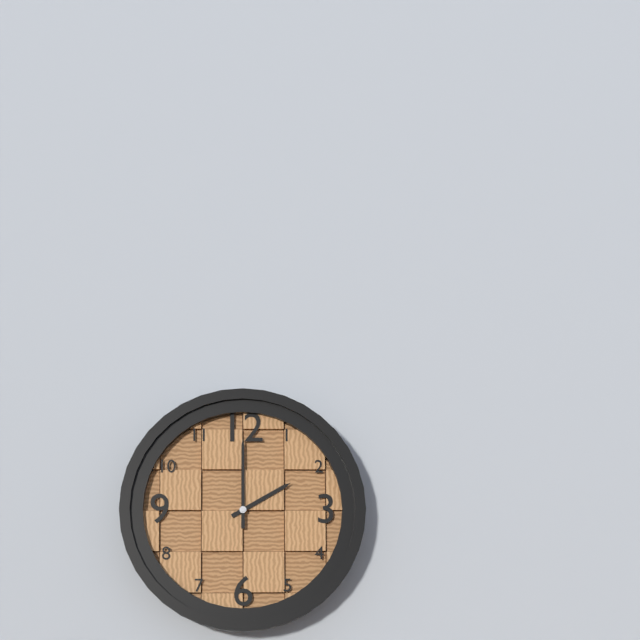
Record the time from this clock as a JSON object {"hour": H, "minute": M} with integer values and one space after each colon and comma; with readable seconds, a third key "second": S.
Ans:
{"hour": 2, "minute": 0}
